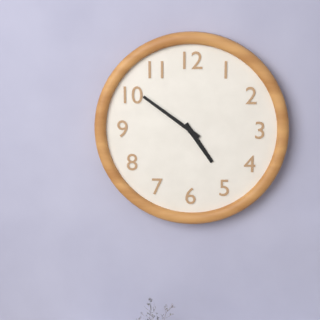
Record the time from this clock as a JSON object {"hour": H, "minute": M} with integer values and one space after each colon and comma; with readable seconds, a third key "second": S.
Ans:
{"hour": 4, "minute": 51}
